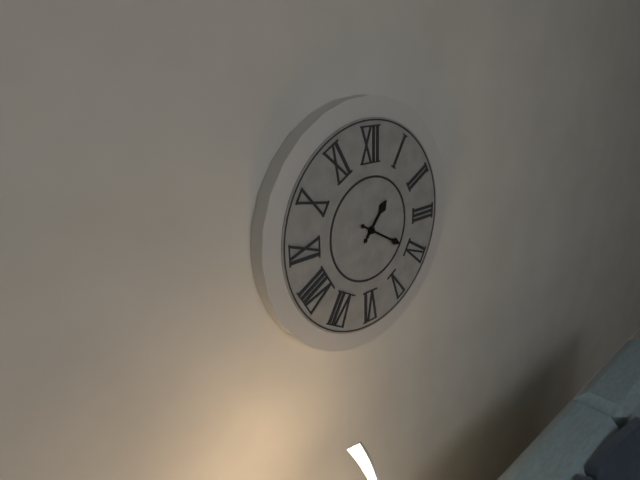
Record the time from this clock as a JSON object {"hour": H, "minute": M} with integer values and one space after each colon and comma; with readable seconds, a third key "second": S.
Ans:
{"hour": 1, "minute": 20}
